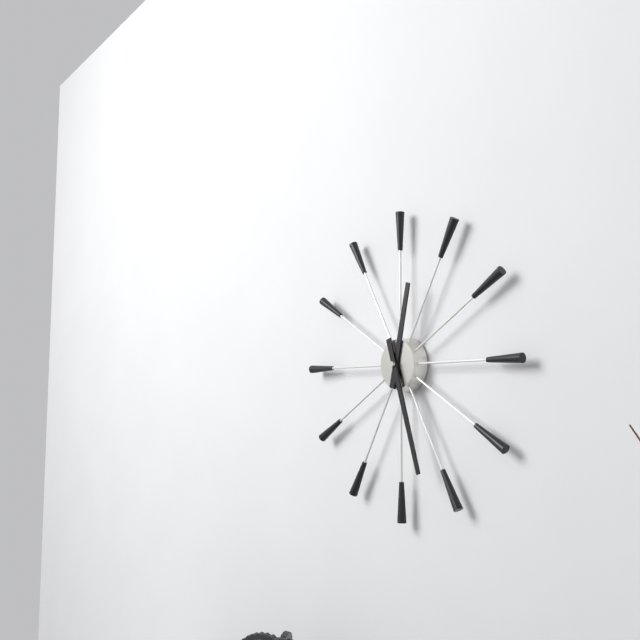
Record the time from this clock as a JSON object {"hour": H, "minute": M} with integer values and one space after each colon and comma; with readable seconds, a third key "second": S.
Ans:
{"hour": 12, "minute": 27}
